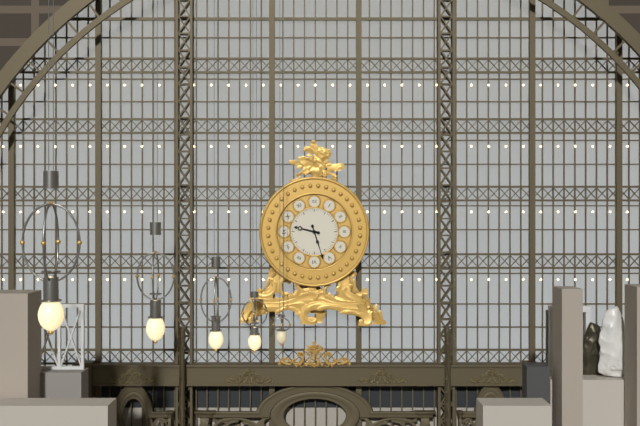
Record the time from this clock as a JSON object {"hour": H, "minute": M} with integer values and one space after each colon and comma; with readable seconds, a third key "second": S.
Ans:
{"hour": 9, "minute": 27}
